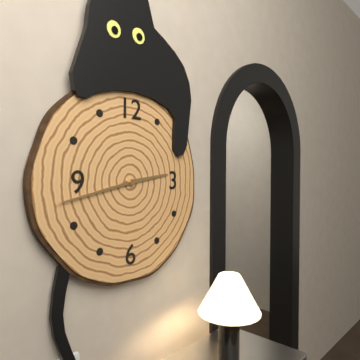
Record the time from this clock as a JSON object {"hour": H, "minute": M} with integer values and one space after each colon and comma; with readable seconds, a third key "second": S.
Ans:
{"hour": 2, "minute": 43}
